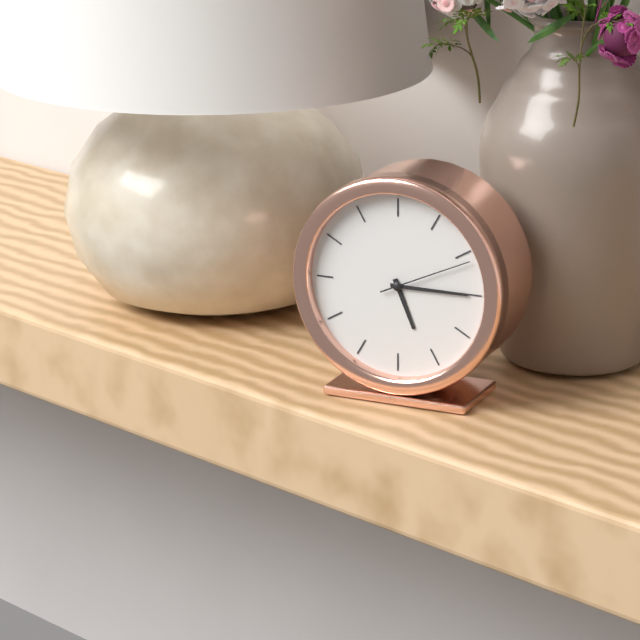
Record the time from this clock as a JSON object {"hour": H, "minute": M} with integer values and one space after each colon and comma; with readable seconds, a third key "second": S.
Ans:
{"hour": 5, "minute": 15, "second": 11}
